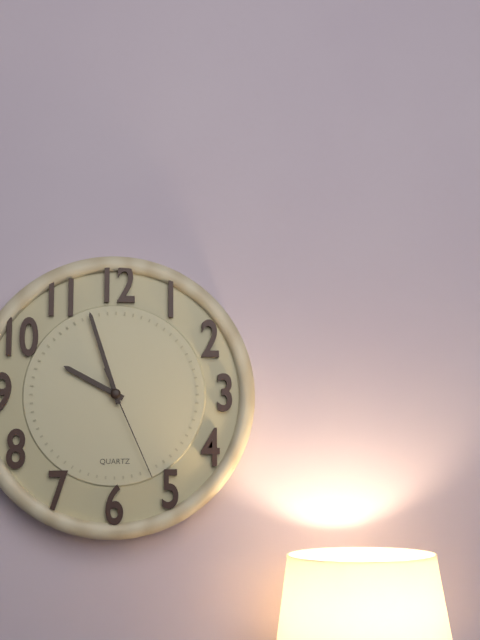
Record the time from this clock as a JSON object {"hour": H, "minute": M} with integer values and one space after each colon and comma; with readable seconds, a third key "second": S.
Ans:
{"hour": 9, "minute": 57, "second": 26}
